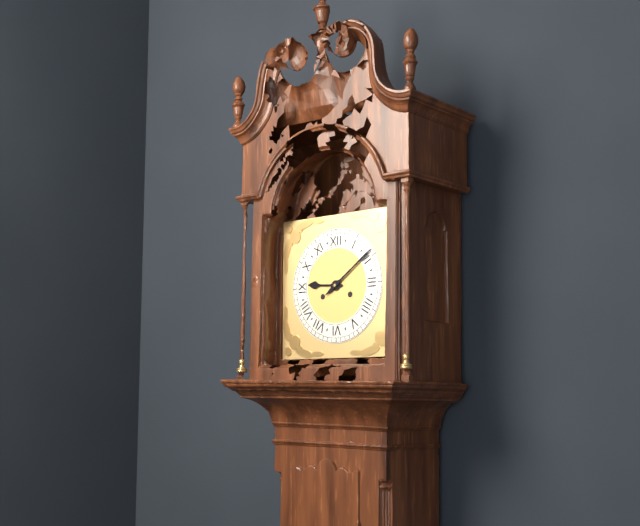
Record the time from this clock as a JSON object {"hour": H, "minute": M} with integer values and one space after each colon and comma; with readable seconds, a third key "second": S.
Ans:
{"hour": 9, "minute": 9}
